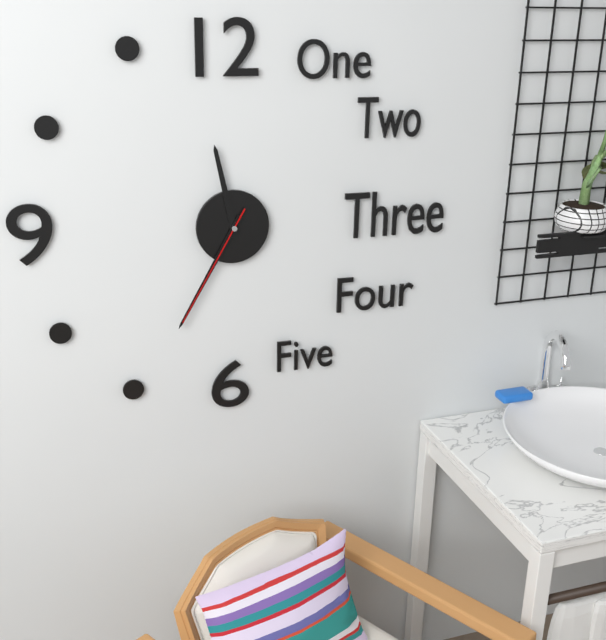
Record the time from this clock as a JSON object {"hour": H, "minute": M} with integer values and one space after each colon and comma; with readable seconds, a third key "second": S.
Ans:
{"hour": 11, "minute": 35, "second": 35}
